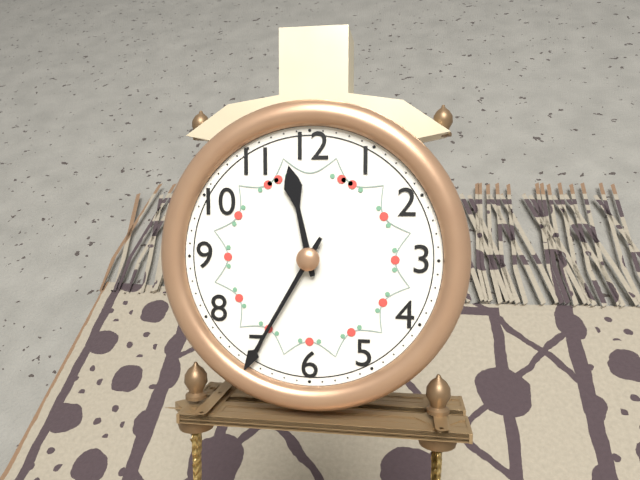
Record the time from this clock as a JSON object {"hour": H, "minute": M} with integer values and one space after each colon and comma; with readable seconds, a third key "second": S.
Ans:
{"hour": 11, "minute": 35}
